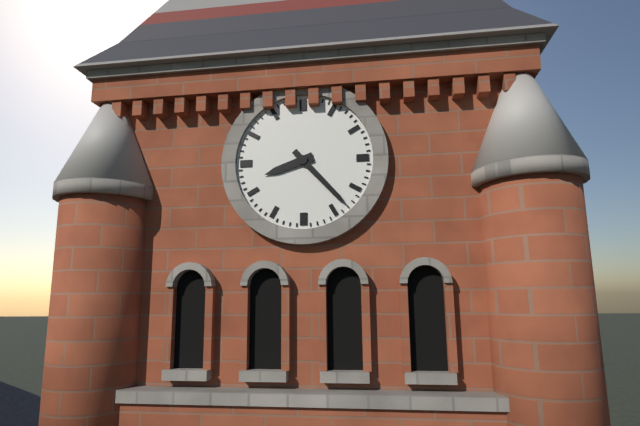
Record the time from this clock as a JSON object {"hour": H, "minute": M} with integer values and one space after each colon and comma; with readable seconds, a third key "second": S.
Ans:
{"hour": 8, "minute": 23}
